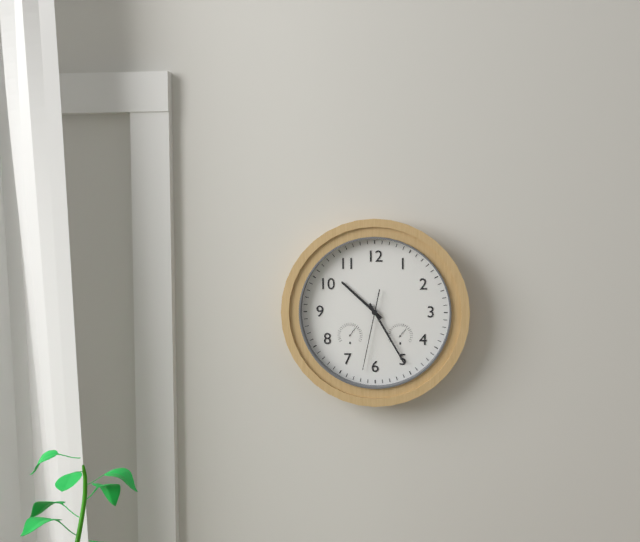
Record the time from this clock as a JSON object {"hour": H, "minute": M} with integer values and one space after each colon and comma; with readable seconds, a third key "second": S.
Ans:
{"hour": 10, "minute": 25, "second": 32}
